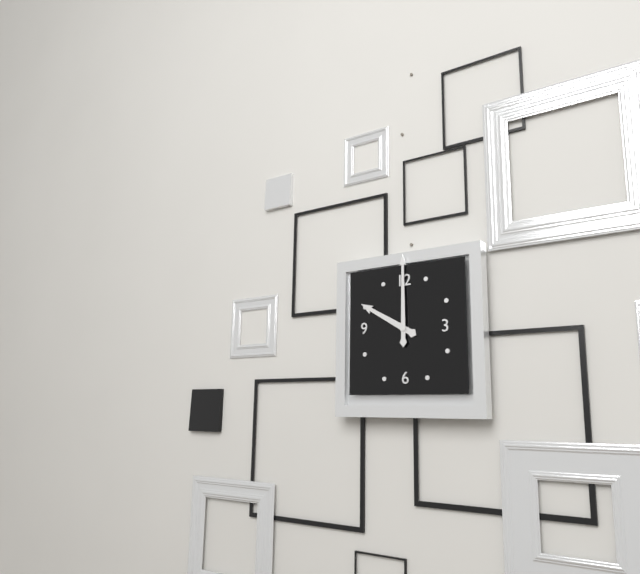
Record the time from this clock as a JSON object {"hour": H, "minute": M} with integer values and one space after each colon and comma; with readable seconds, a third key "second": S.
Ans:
{"hour": 10, "minute": 0}
